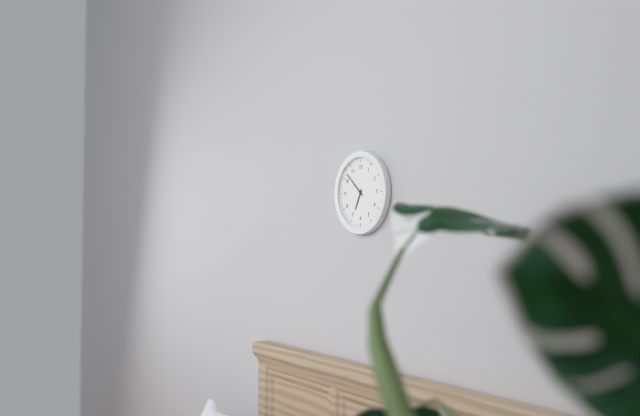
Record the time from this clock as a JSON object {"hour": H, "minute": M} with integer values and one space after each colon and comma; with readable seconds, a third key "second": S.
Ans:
{"hour": 6, "minute": 52}
